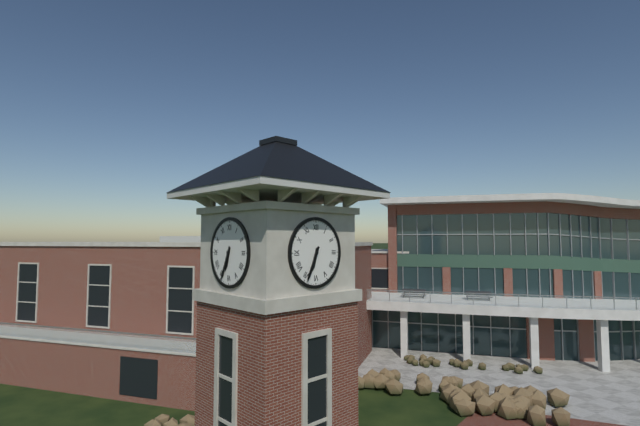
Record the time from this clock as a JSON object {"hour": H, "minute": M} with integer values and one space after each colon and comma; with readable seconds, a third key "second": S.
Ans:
{"hour": 6, "minute": 34}
